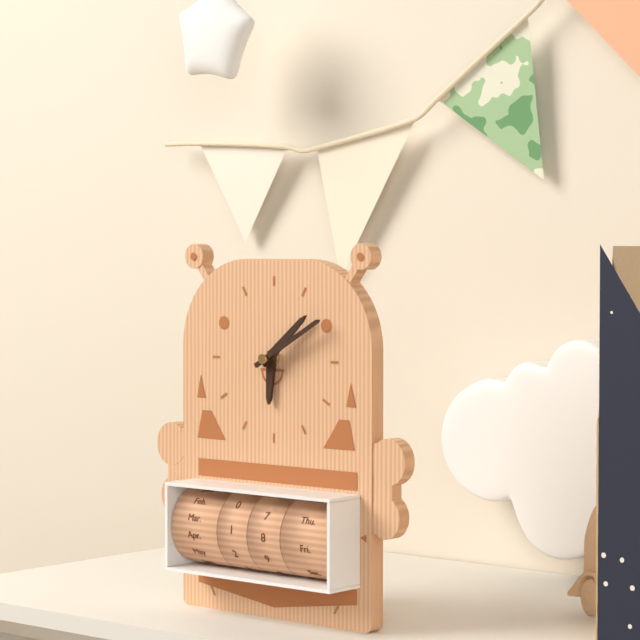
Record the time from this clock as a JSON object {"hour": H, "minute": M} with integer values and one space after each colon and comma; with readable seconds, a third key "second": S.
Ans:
{"hour": 6, "minute": 8, "second": 10}
